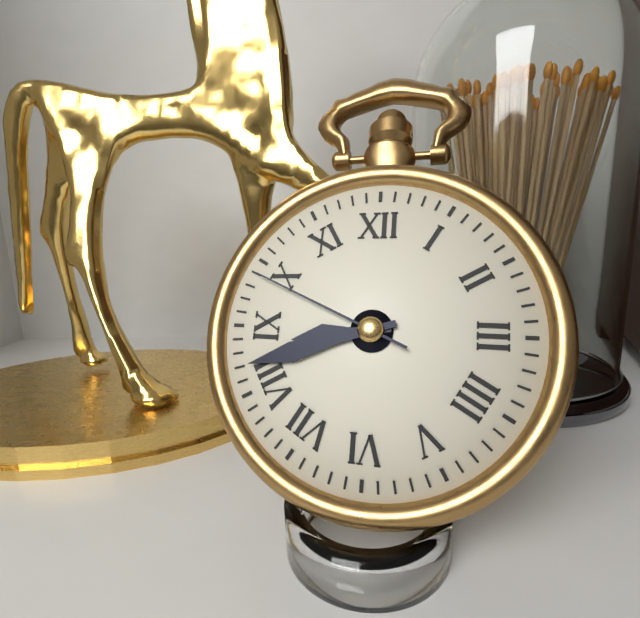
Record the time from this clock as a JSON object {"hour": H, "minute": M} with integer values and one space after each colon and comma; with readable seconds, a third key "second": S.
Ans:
{"hour": 8, "minute": 42, "second": 49}
